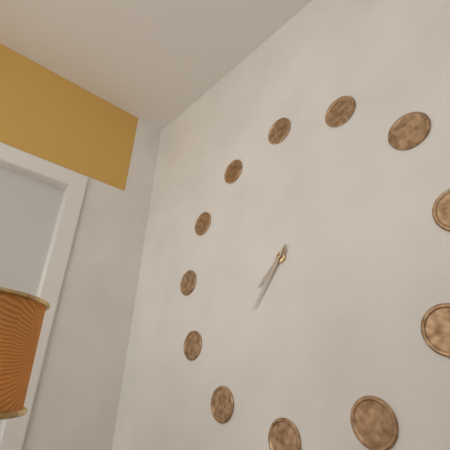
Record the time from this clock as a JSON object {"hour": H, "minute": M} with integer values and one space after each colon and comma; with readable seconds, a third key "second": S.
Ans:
{"hour": 7, "minute": 36}
